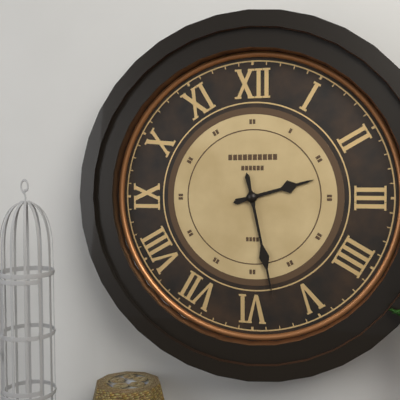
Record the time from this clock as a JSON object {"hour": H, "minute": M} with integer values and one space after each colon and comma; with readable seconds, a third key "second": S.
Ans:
{"hour": 2, "minute": 28}
